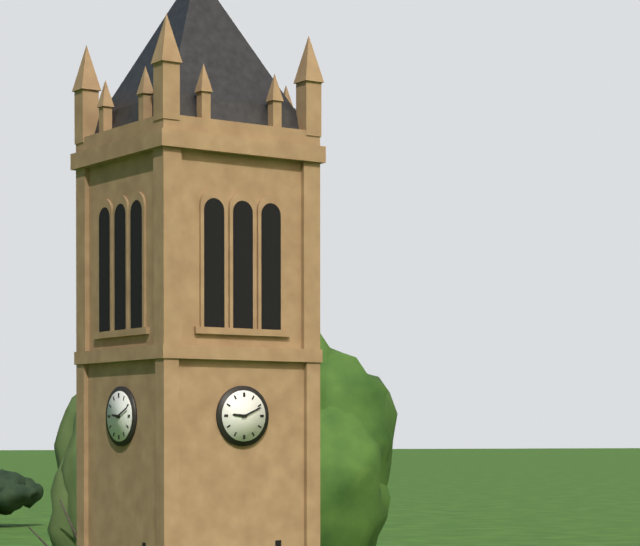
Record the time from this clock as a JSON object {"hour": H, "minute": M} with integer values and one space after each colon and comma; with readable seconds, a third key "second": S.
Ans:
{"hour": 9, "minute": 11}
